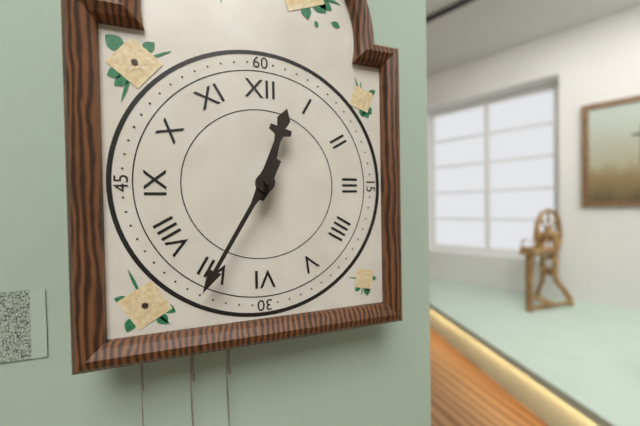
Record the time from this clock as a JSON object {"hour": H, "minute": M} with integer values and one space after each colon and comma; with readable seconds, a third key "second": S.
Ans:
{"hour": 12, "minute": 35}
